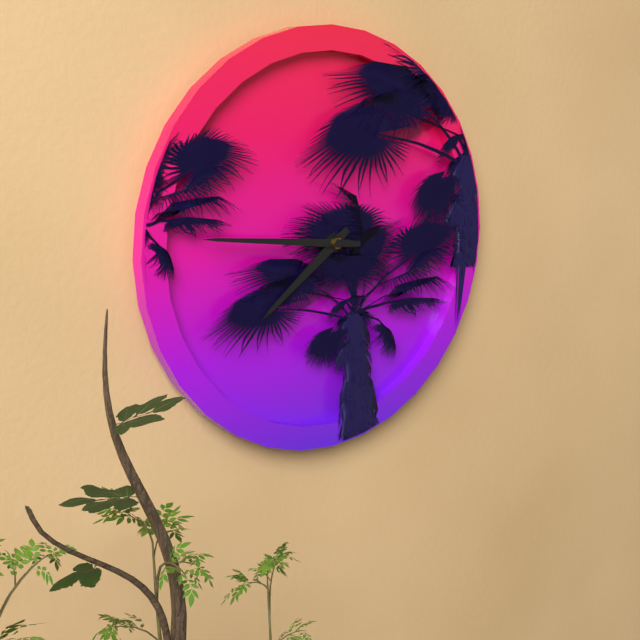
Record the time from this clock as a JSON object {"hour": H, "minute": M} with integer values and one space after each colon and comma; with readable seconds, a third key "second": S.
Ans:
{"hour": 7, "minute": 46}
